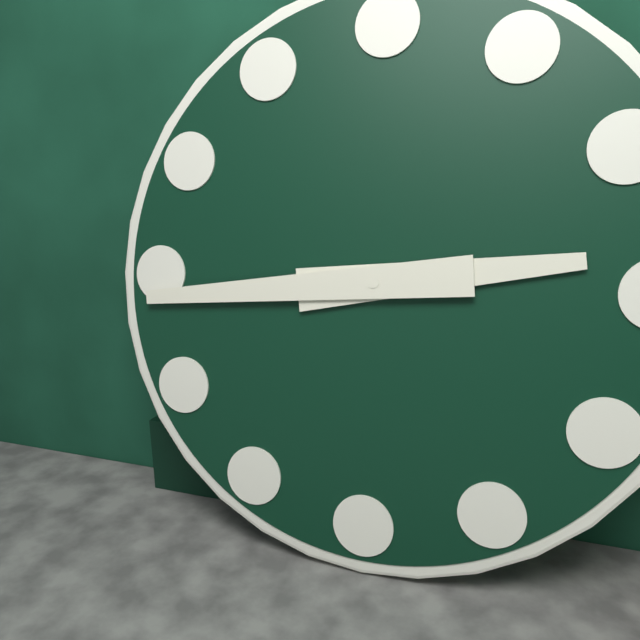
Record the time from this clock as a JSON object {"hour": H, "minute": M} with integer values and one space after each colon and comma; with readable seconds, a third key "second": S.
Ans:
{"hour": 2, "minute": 44}
